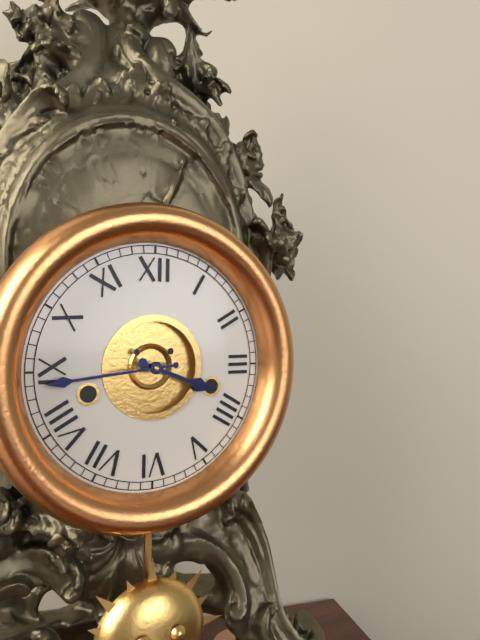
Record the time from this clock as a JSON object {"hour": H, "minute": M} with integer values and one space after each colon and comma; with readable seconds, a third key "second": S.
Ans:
{"hour": 3, "minute": 44}
